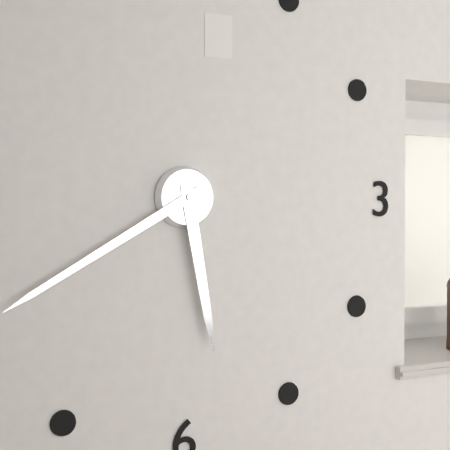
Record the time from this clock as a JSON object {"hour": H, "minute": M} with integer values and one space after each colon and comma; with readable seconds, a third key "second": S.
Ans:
{"hour": 5, "minute": 40}
